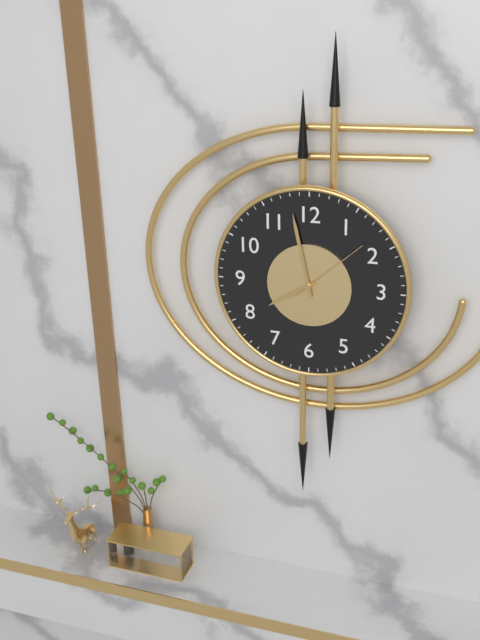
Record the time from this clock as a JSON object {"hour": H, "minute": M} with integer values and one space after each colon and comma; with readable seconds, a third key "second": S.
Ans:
{"hour": 7, "minute": 58, "second": 8}
